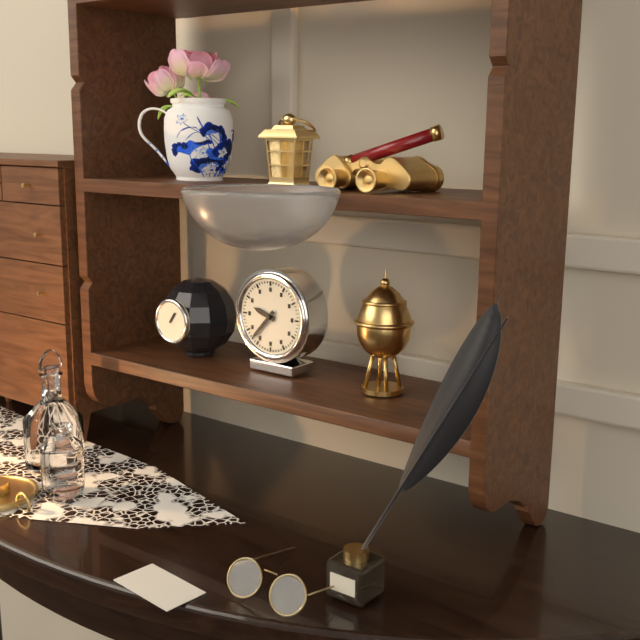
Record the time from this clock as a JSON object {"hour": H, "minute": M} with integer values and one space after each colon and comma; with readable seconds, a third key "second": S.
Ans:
{"hour": 9, "minute": 37}
